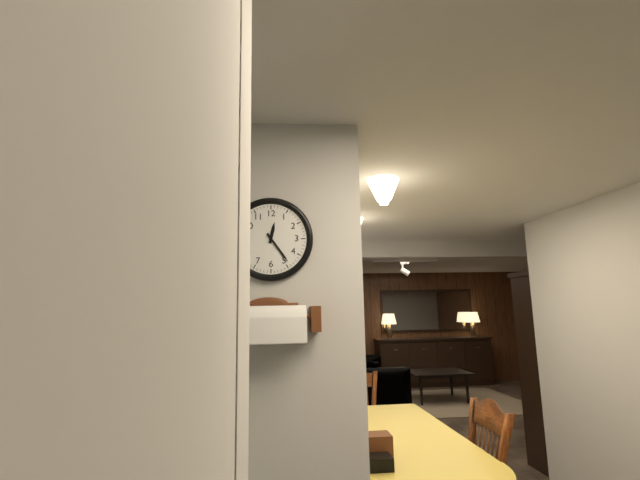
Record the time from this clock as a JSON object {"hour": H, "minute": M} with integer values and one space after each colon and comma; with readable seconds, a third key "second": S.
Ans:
{"hour": 12, "minute": 24}
